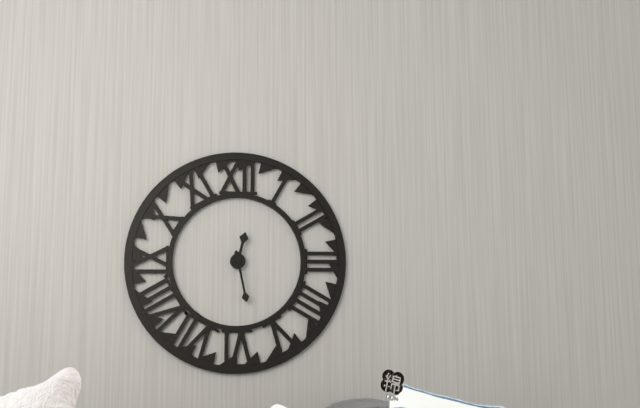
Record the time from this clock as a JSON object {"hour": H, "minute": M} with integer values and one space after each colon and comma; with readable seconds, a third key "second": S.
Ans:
{"hour": 12, "minute": 28}
